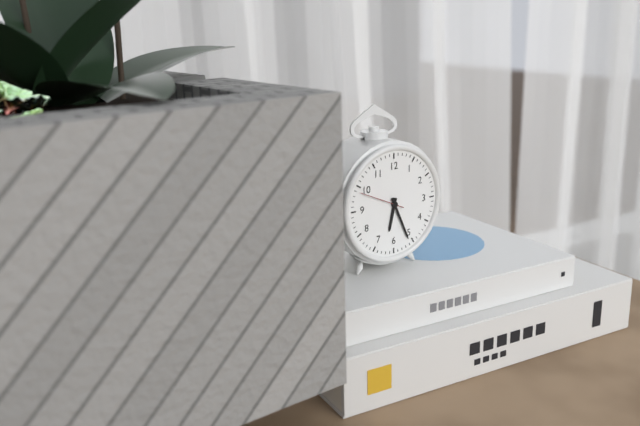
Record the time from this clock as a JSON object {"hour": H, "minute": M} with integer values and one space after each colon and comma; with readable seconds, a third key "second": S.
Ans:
{"hour": 6, "minute": 26}
